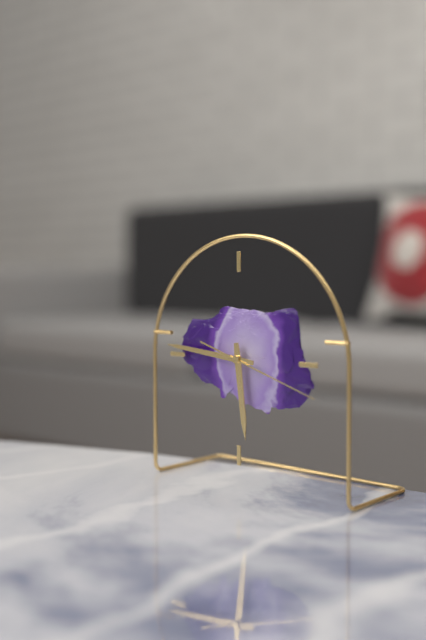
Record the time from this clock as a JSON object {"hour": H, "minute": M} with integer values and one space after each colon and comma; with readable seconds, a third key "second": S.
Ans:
{"hour": 5, "minute": 46, "second": 18}
